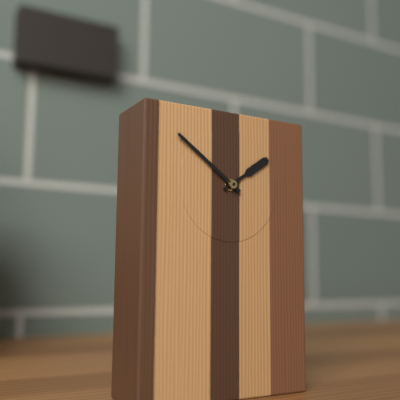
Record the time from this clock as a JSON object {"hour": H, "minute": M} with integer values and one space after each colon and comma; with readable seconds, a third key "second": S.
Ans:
{"hour": 1, "minute": 51}
